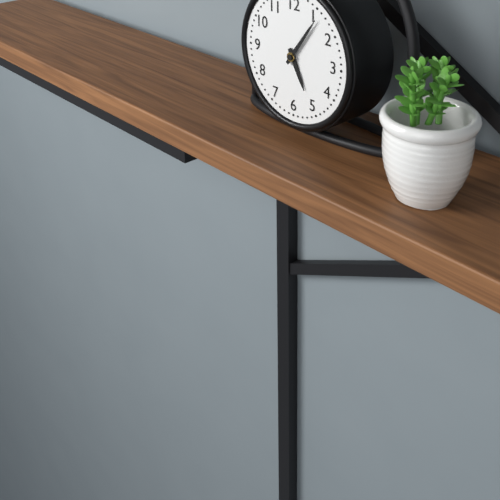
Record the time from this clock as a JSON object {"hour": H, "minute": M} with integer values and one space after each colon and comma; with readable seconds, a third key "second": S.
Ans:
{"hour": 5, "minute": 6}
